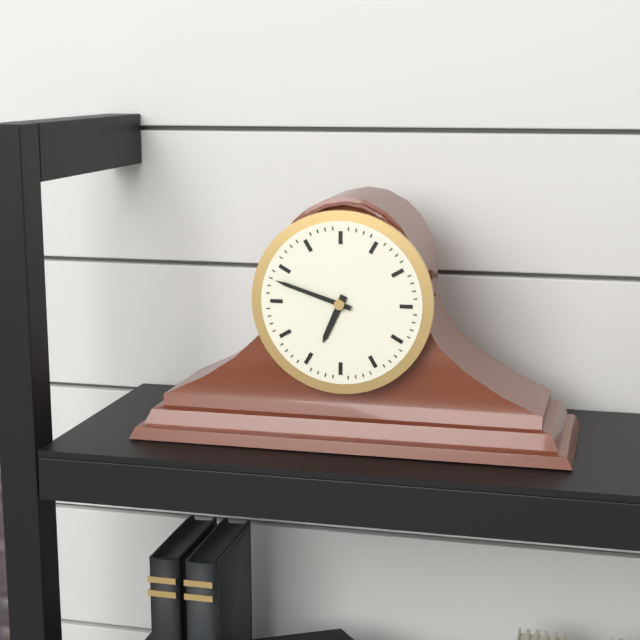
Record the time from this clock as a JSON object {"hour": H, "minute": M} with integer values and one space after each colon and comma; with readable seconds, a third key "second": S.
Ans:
{"hour": 6, "minute": 48}
